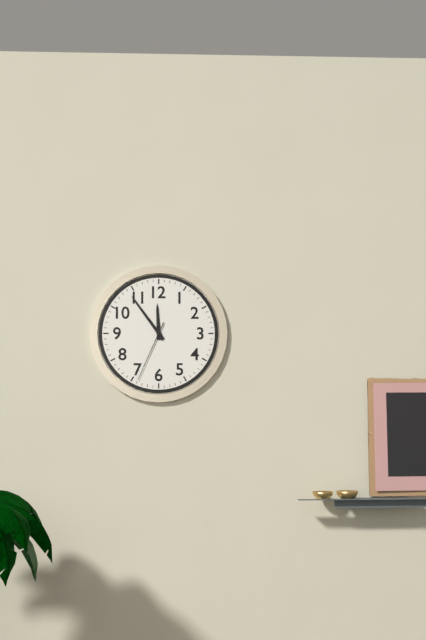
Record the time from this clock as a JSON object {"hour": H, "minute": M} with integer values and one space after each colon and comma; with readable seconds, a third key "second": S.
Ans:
{"hour": 11, "minute": 54, "second": 34}
